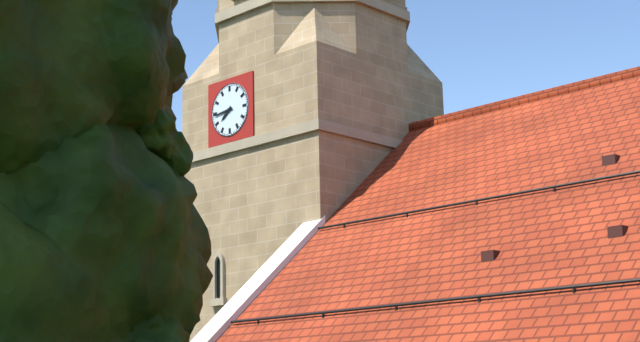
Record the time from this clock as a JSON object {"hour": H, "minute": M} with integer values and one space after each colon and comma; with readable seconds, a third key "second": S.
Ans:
{"hour": 7, "minute": 44}
